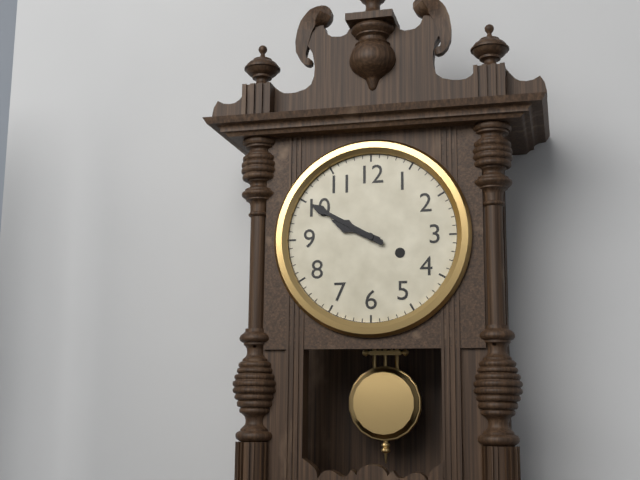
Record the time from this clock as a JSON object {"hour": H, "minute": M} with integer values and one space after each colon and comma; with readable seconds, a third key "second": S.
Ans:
{"hour": 9, "minute": 50}
